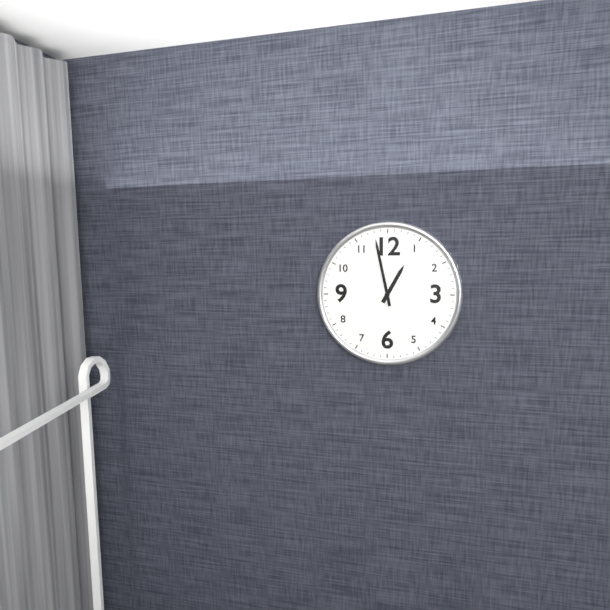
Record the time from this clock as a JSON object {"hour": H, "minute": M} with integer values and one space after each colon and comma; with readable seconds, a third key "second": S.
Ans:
{"hour": 12, "minute": 58}
